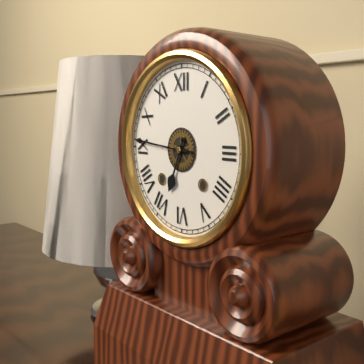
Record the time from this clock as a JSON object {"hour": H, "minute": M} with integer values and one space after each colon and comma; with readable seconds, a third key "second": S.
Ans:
{"hour": 6, "minute": 46}
